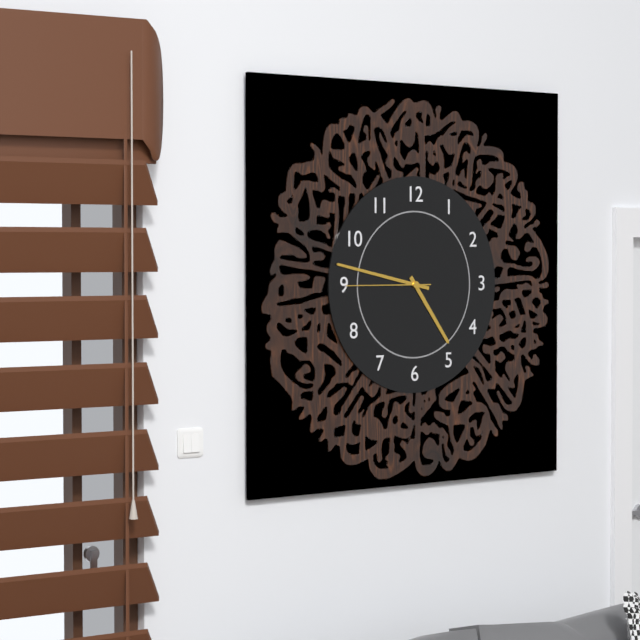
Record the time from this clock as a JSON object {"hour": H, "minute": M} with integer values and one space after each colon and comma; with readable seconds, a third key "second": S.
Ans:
{"hour": 4, "minute": 47, "second": 45}
